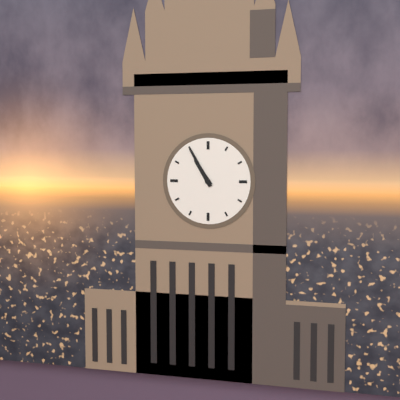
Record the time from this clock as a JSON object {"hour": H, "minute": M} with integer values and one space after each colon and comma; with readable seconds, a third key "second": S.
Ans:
{"hour": 10, "minute": 55}
